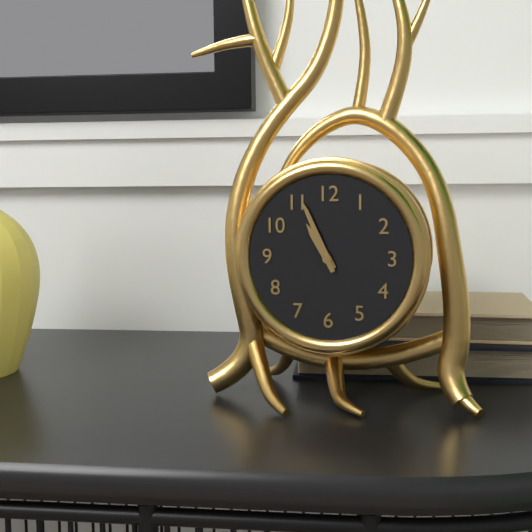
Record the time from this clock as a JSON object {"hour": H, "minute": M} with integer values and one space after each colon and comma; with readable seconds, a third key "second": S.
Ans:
{"hour": 10, "minute": 56}
